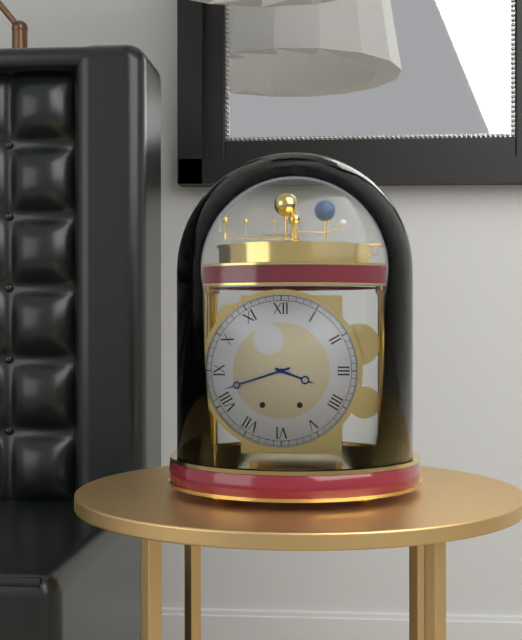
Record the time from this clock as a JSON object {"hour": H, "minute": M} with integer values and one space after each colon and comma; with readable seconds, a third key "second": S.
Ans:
{"hour": 3, "minute": 42}
